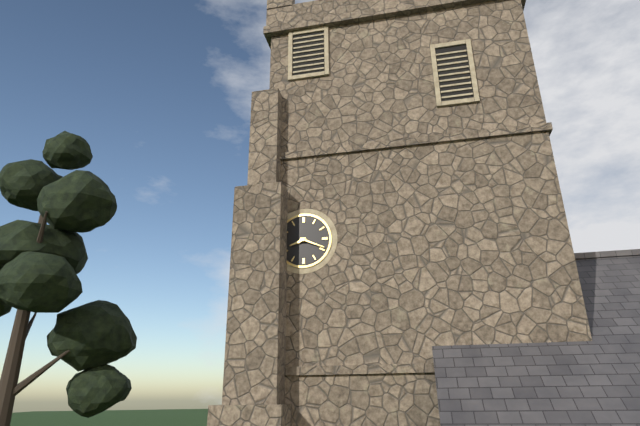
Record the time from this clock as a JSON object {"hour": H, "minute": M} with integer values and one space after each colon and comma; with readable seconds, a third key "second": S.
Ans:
{"hour": 8, "minute": 19}
